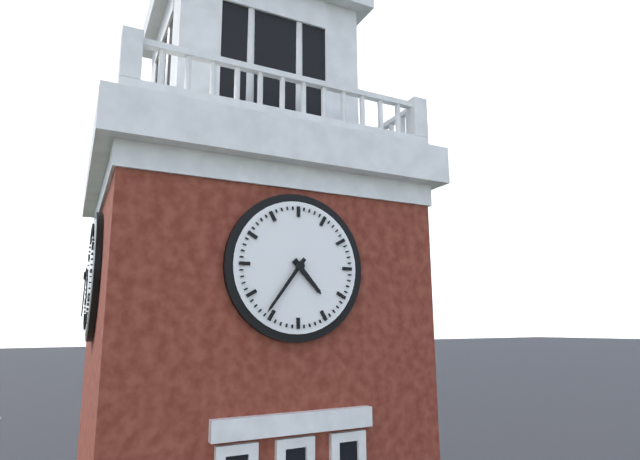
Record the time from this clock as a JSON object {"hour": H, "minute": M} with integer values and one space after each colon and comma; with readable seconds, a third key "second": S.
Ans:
{"hour": 4, "minute": 36}
